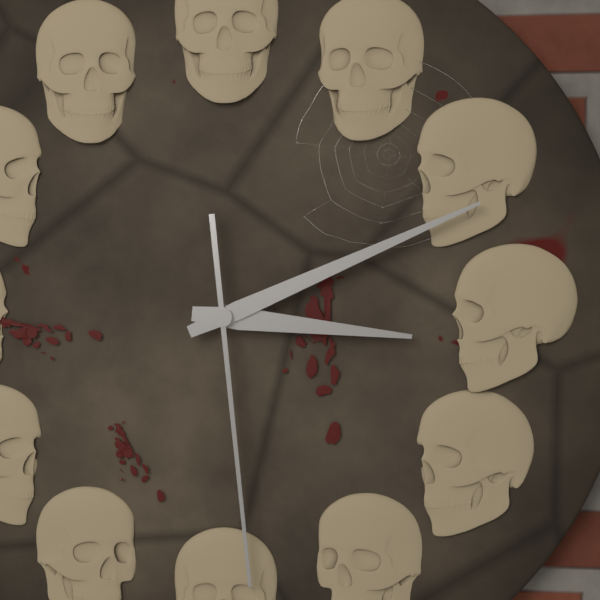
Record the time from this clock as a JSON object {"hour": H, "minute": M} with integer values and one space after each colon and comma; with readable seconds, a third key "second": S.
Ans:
{"hour": 3, "minute": 11, "second": 29}
